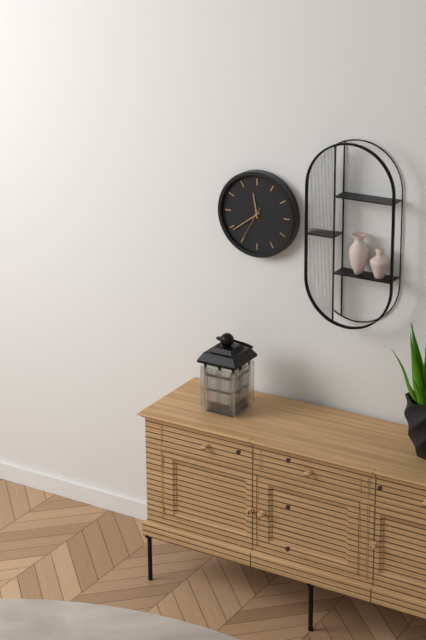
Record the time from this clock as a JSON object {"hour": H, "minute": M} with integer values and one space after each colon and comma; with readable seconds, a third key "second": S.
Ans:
{"hour": 11, "minute": 39}
